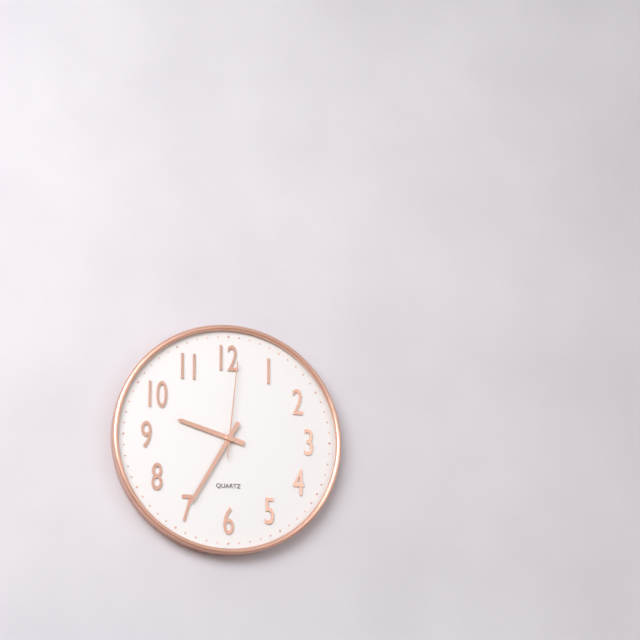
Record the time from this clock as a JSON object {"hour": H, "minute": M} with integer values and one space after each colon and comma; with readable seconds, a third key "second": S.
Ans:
{"hour": 9, "minute": 35, "second": 1}
